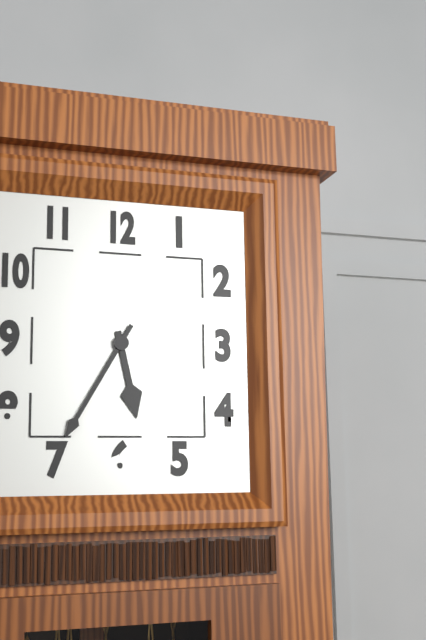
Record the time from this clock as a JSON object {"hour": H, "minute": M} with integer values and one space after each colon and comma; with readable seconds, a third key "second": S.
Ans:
{"hour": 5, "minute": 35}
